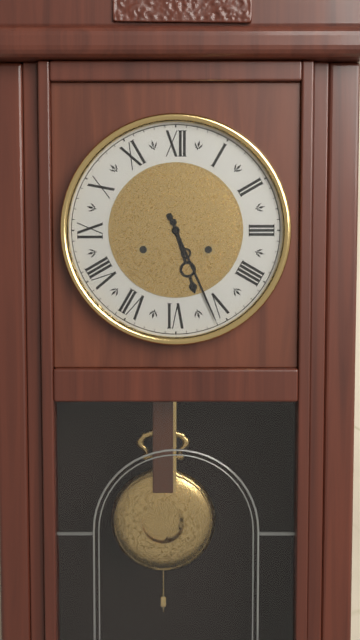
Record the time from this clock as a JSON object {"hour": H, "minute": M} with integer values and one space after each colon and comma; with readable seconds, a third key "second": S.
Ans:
{"hour": 5, "minute": 26}
